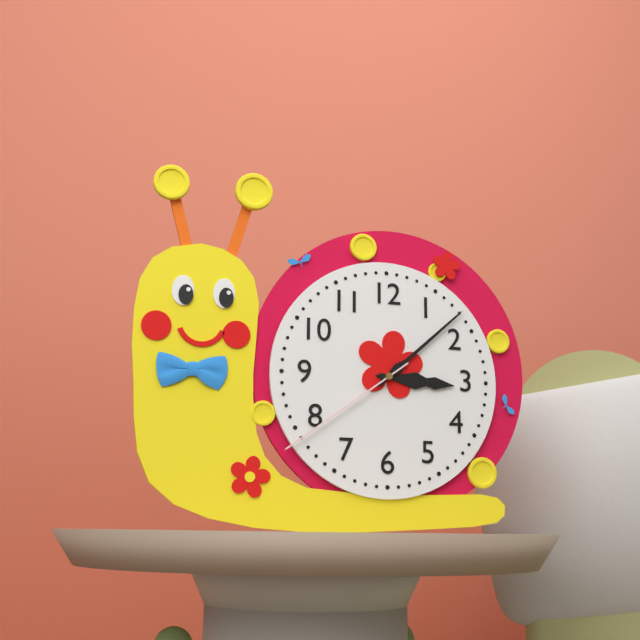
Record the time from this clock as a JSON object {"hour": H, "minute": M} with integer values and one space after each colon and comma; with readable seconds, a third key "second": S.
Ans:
{"hour": 3, "minute": 8, "second": 39}
